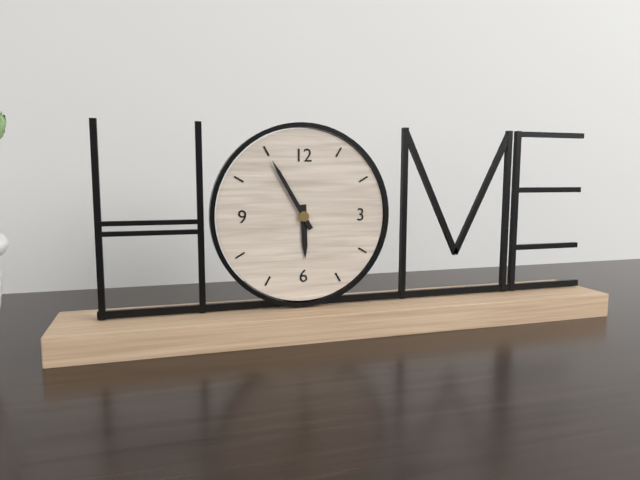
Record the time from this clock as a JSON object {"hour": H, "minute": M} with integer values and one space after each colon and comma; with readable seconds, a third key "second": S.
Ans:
{"hour": 5, "minute": 55}
